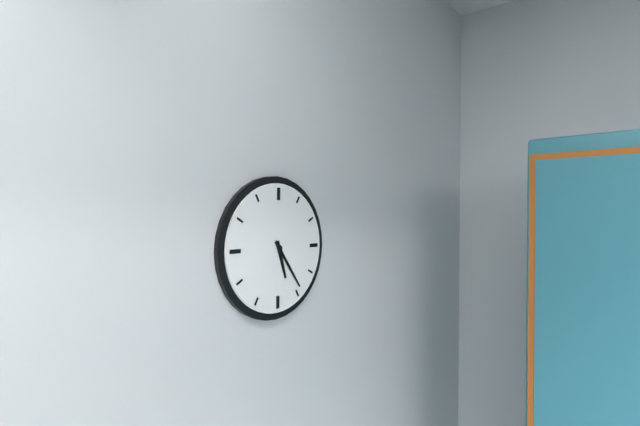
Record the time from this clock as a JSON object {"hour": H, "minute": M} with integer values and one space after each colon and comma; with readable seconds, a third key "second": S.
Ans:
{"hour": 5, "minute": 24}
